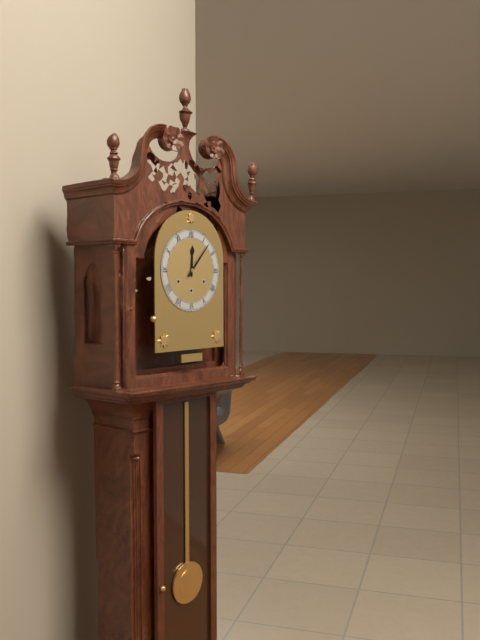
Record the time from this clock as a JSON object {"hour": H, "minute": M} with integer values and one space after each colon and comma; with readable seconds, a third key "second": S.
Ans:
{"hour": 12, "minute": 7}
